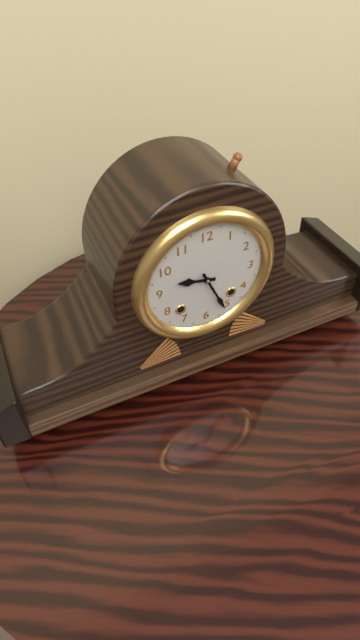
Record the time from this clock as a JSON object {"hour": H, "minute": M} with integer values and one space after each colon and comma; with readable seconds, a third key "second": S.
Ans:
{"hour": 9, "minute": 26}
